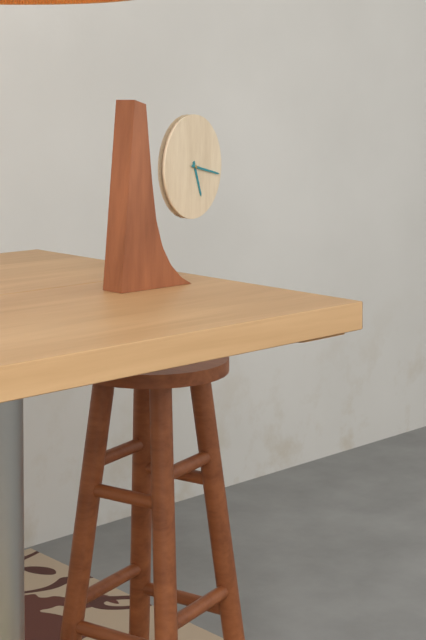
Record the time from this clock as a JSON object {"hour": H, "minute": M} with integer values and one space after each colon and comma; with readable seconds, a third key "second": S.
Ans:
{"hour": 5, "minute": 17}
